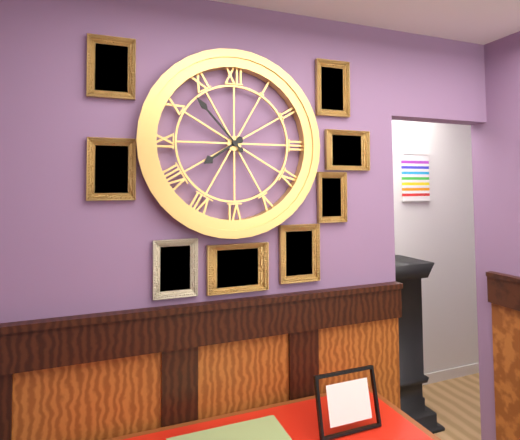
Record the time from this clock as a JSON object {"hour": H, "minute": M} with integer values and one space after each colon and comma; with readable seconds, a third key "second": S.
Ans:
{"hour": 7, "minute": 53}
